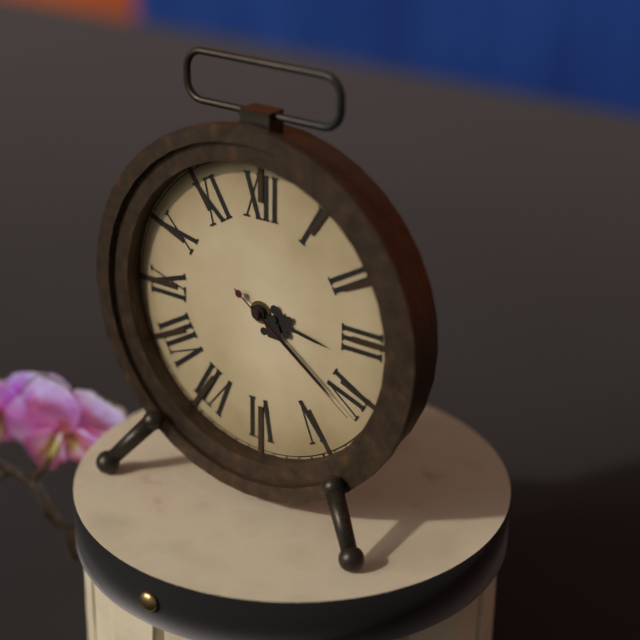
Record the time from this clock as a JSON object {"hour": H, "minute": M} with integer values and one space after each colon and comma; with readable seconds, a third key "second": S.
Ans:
{"hour": 3, "minute": 21, "second": 21}
